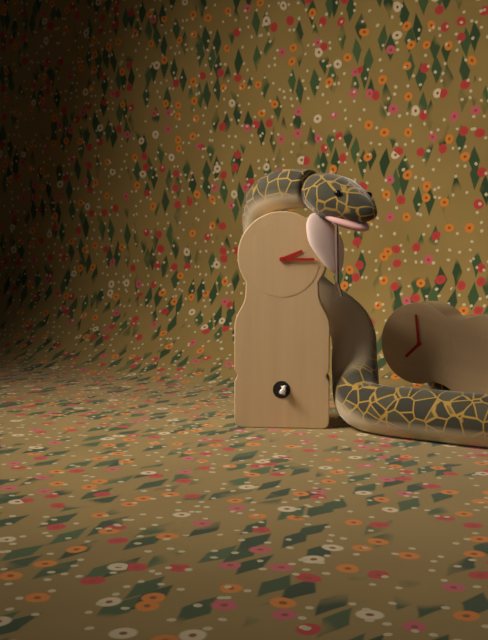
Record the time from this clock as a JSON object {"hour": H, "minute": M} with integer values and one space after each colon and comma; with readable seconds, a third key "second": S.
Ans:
{"hour": 2, "minute": 15}
